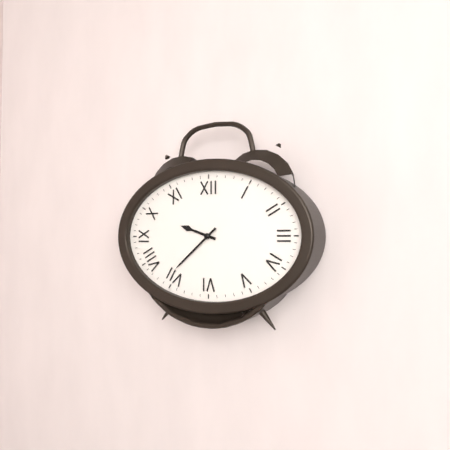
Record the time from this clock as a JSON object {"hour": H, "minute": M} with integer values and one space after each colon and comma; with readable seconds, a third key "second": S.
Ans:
{"hour": 9, "minute": 38}
